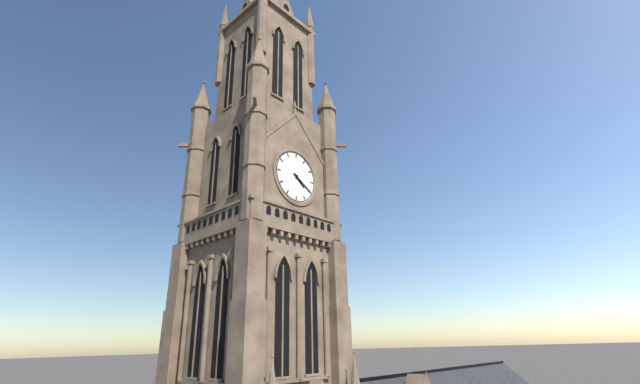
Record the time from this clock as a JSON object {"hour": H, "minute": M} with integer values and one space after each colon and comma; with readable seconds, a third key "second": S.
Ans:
{"hour": 4, "minute": 20}
